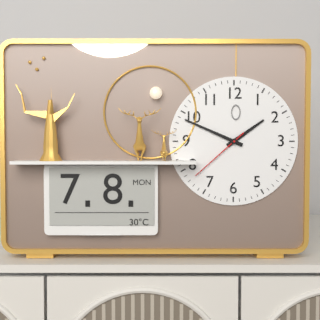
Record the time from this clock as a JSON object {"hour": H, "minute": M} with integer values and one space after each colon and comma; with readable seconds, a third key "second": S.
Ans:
{"hour": 1, "minute": 49, "second": 38}
